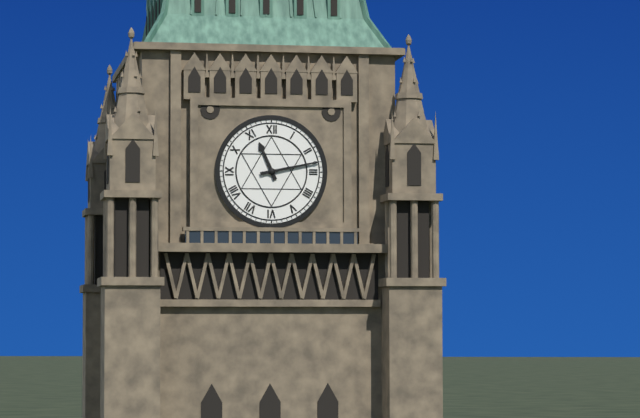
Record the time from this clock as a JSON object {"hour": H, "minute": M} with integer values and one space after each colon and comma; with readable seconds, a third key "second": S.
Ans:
{"hour": 11, "minute": 13}
